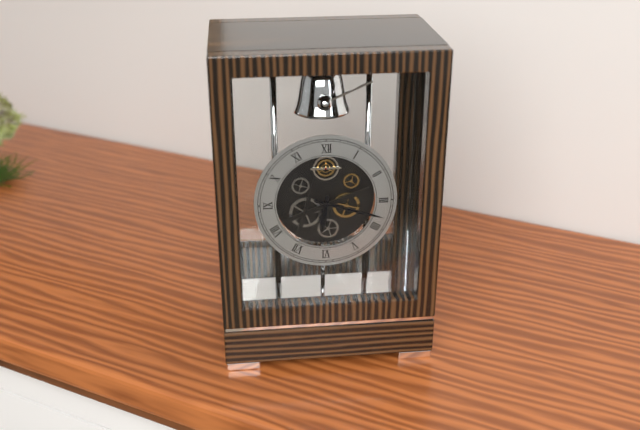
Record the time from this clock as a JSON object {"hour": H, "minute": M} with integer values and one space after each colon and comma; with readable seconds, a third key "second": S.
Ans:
{"hour": 6, "minute": 18}
